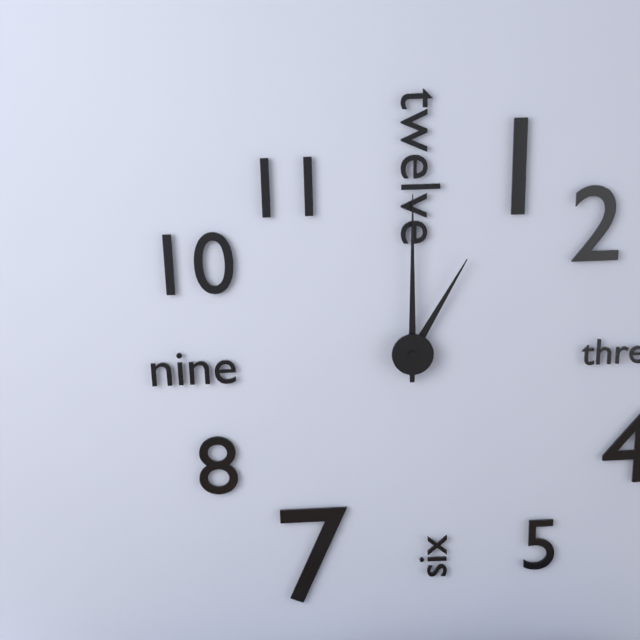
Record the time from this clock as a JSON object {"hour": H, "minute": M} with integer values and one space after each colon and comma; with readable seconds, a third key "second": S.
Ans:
{"hour": 1, "minute": 0}
